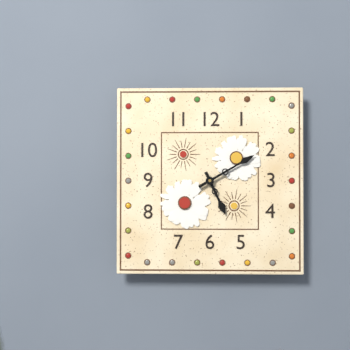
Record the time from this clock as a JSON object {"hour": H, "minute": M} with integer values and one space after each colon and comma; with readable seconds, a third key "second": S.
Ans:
{"hour": 5, "minute": 10}
